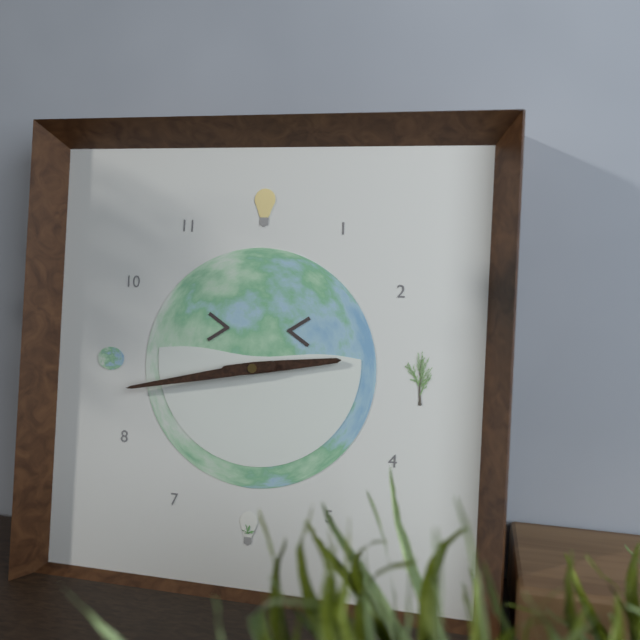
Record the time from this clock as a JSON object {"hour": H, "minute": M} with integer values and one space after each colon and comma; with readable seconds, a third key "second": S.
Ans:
{"hour": 2, "minute": 43}
